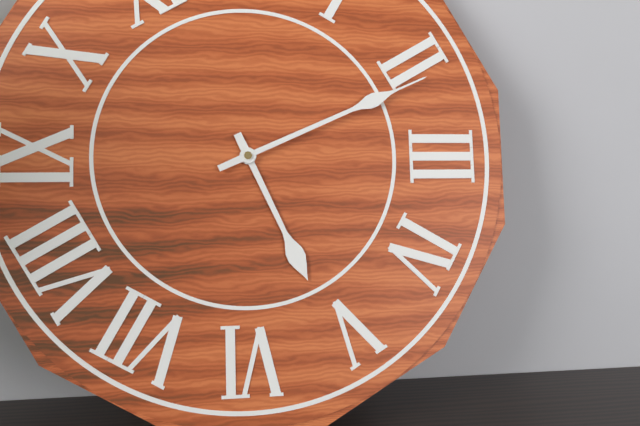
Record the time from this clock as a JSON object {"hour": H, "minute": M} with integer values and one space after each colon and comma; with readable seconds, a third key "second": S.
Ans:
{"hour": 5, "minute": 11}
